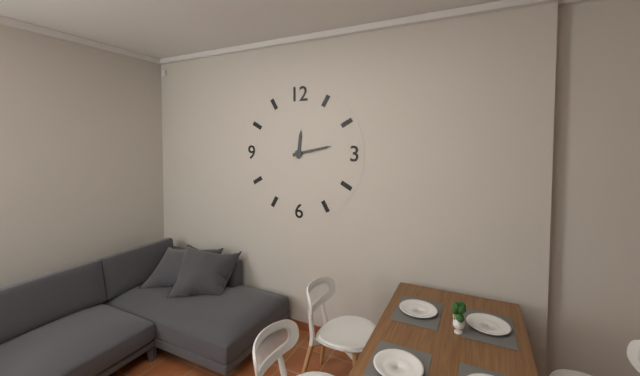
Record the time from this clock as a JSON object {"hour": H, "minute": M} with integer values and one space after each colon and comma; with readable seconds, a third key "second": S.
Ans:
{"hour": 12, "minute": 13}
